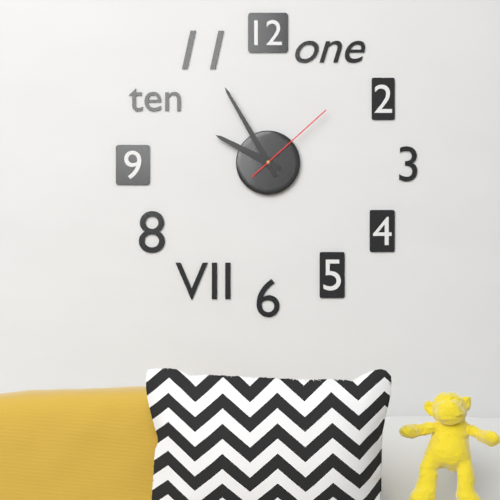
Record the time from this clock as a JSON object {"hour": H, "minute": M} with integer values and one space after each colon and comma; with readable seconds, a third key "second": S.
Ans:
{"hour": 9, "minute": 55, "second": 8}
